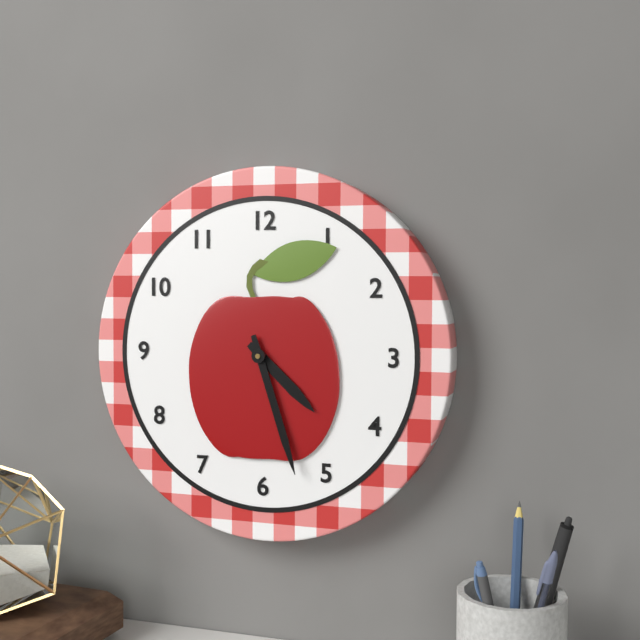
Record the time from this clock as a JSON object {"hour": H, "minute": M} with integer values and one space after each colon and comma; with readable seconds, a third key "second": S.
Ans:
{"hour": 4, "minute": 27}
